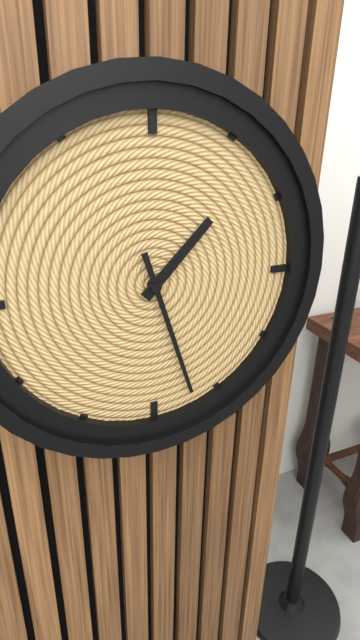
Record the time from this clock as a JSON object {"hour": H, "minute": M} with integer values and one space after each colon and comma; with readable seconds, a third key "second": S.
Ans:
{"hour": 1, "minute": 27}
